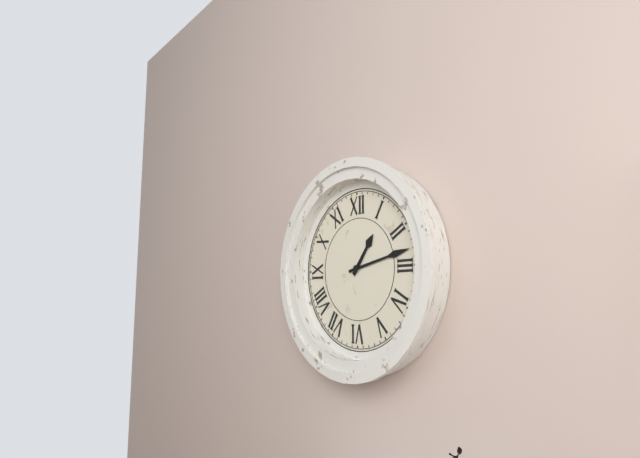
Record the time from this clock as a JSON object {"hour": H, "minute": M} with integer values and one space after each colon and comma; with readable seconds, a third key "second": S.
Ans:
{"hour": 1, "minute": 13}
